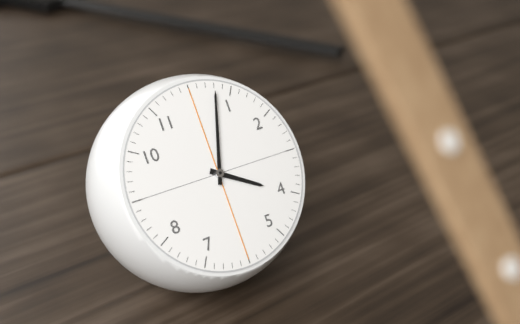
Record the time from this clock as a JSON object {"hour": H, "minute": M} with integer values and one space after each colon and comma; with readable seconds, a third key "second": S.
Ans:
{"hour": 4, "minute": 3}
